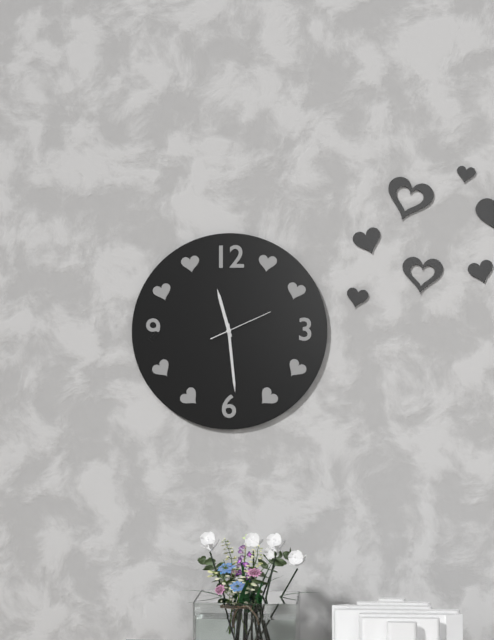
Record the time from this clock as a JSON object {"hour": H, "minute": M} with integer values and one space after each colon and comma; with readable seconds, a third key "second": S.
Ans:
{"hour": 11, "minute": 29, "second": 11}
